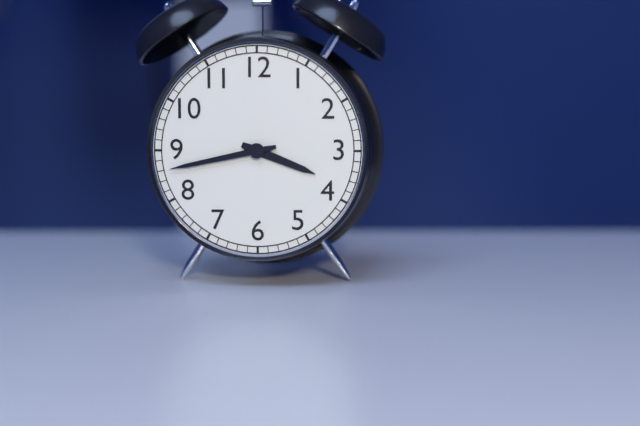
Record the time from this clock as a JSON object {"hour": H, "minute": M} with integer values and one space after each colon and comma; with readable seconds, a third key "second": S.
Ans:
{"hour": 3, "minute": 43}
